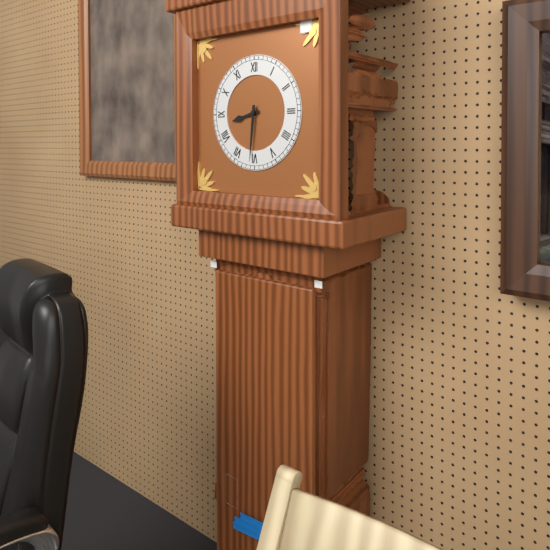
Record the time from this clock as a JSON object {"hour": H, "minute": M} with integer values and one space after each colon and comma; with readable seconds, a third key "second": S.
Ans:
{"hour": 8, "minute": 31}
